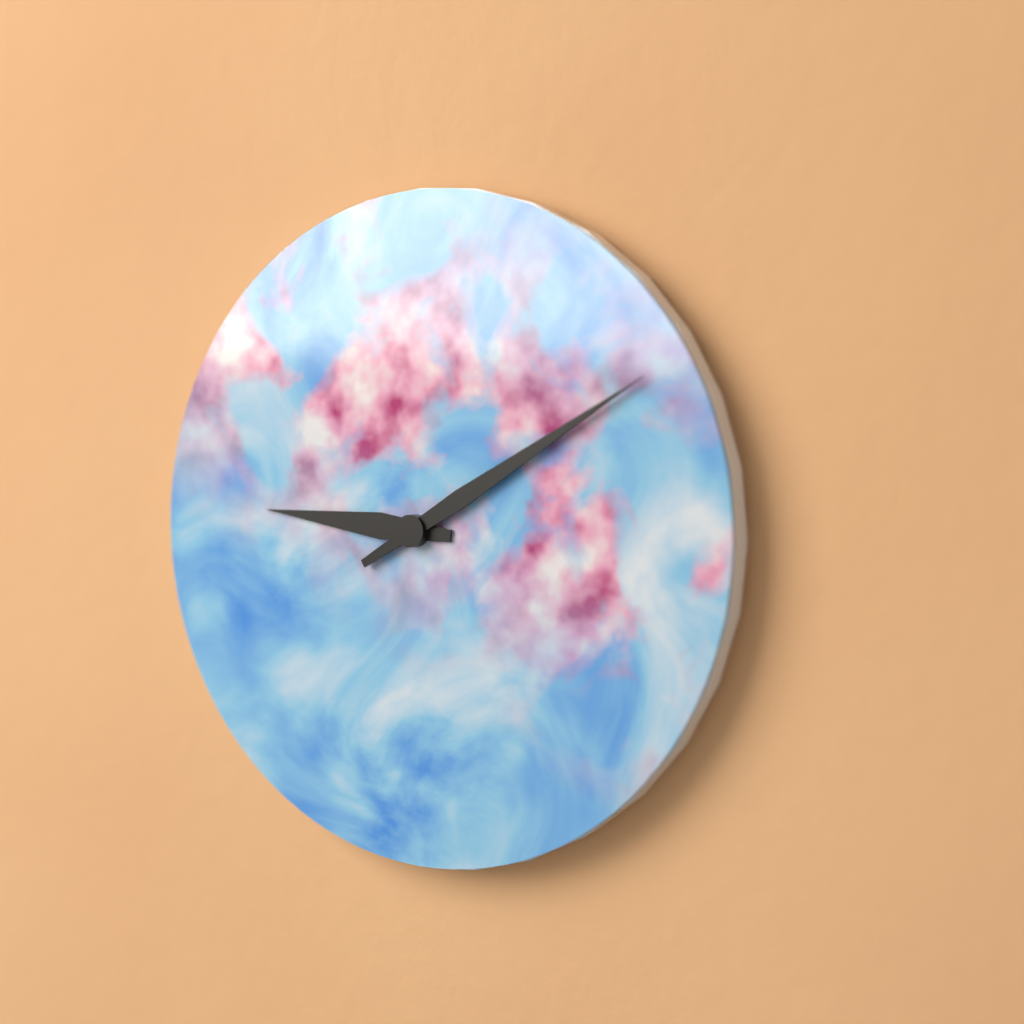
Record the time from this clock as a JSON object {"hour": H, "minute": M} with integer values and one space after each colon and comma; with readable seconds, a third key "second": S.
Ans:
{"hour": 9, "minute": 10}
